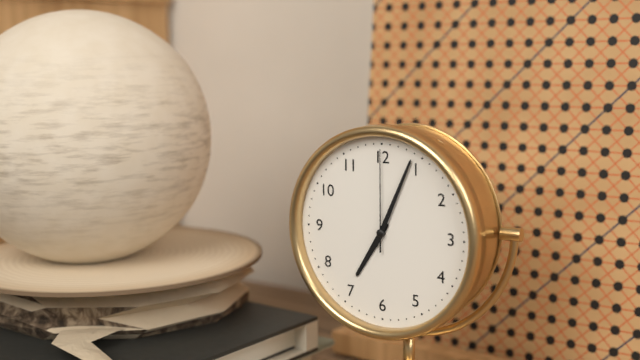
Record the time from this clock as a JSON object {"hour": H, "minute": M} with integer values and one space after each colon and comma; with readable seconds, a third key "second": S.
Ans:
{"hour": 7, "minute": 4, "second": 0}
